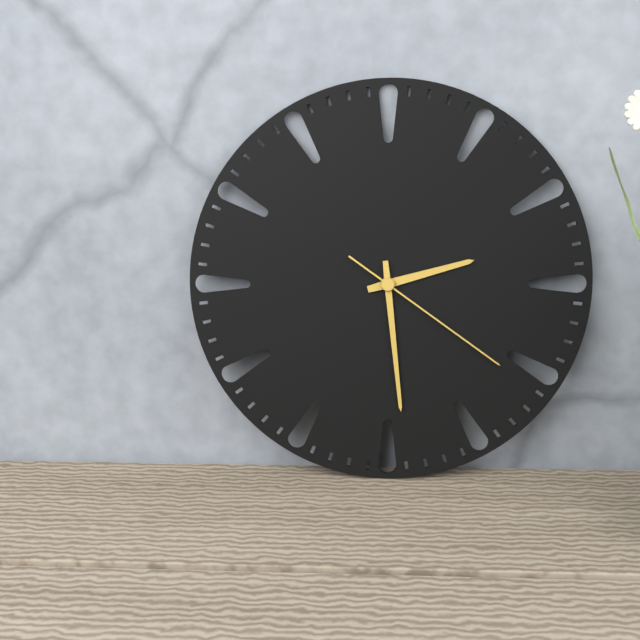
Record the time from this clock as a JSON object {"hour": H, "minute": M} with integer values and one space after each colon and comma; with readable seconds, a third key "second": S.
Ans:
{"hour": 2, "minute": 29, "second": 21}
